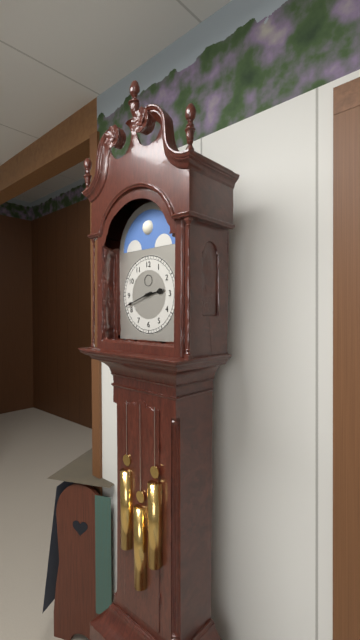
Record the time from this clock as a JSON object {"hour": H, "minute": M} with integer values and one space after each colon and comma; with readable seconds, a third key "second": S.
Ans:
{"hour": 2, "minute": 42}
